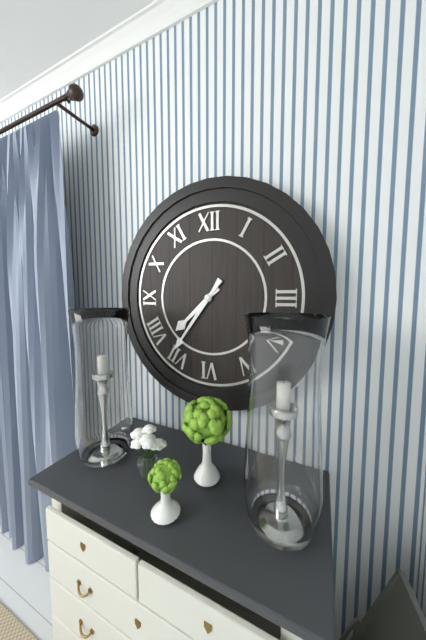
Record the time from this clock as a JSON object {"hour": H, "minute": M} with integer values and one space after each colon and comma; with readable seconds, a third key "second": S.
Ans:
{"hour": 7, "minute": 36}
